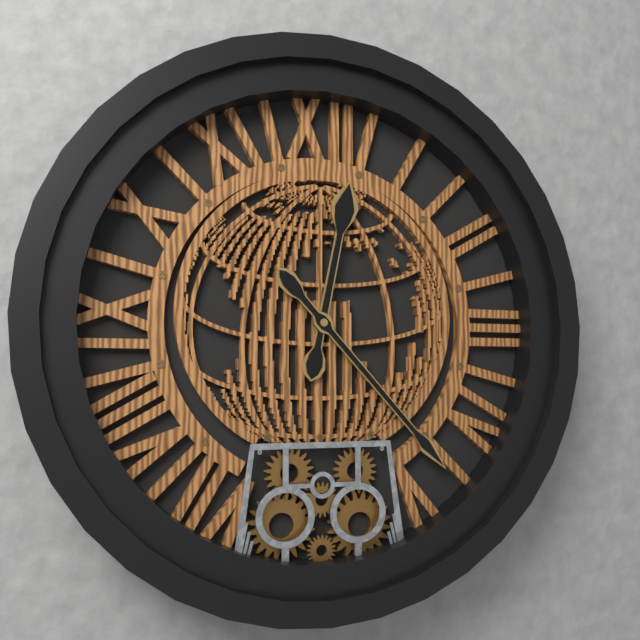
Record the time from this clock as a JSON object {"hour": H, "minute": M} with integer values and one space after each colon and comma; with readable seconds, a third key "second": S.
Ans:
{"hour": 12, "minute": 23}
